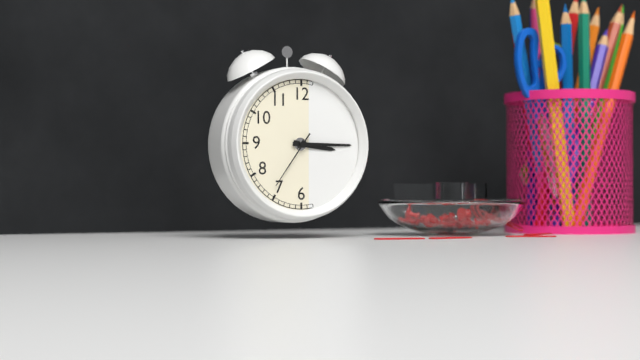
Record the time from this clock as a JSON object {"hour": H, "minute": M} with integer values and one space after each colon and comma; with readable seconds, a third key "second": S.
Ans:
{"hour": 3, "minute": 15, "second": 36}
